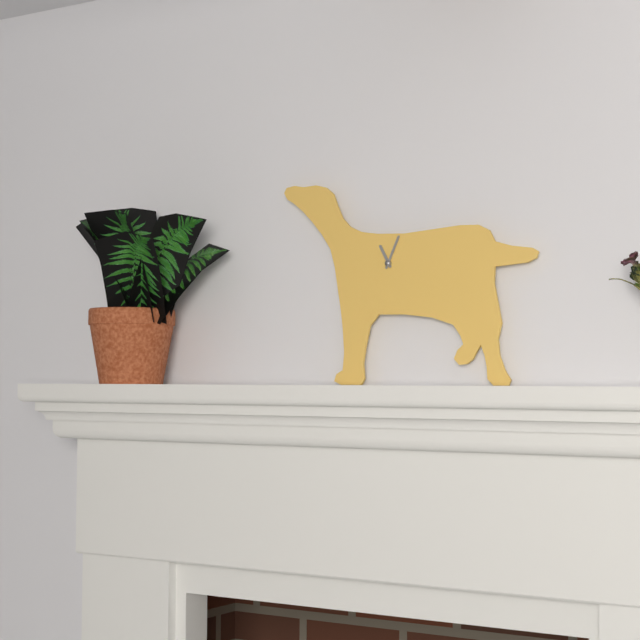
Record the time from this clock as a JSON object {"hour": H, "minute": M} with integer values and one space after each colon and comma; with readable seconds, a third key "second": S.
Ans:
{"hour": 11, "minute": 4}
